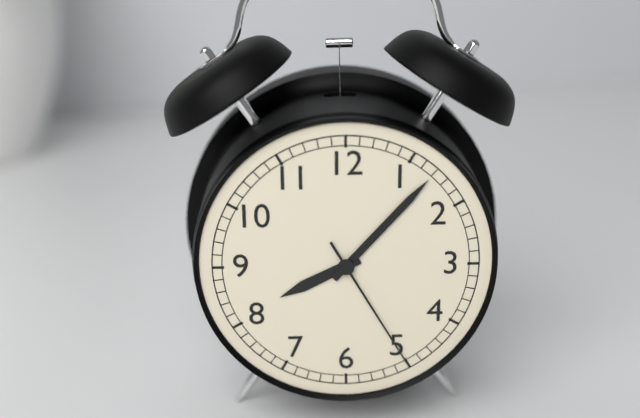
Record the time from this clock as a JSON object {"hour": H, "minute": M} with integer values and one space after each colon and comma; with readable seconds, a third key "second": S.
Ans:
{"hour": 8, "minute": 7, "second": 25}
